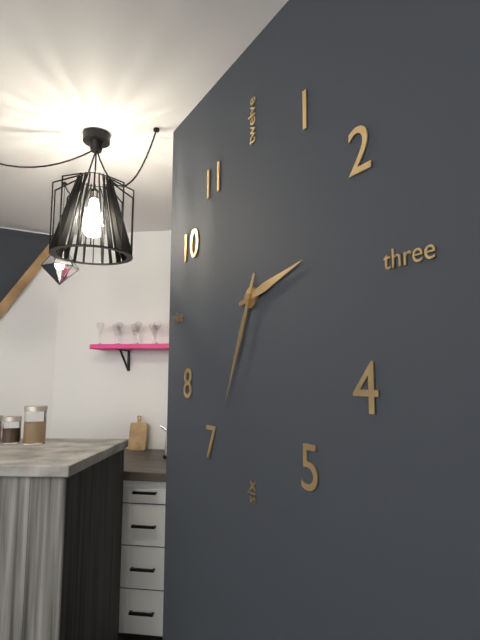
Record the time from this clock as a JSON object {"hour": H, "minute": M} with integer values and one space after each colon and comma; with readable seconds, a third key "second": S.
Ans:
{"hour": 2, "minute": 34}
